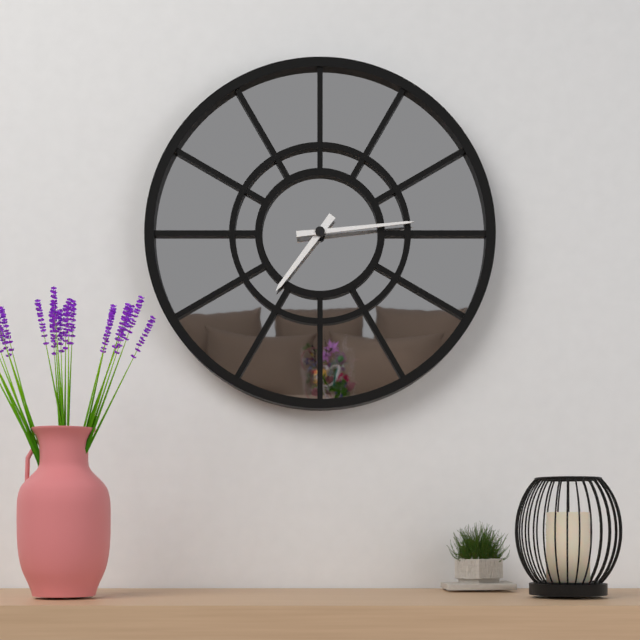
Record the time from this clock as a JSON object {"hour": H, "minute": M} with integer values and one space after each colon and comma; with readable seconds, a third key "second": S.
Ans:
{"hour": 7, "minute": 14}
